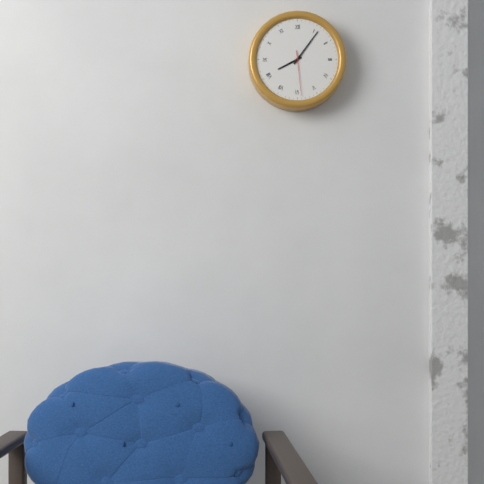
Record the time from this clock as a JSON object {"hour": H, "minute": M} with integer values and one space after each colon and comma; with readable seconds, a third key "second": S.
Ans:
{"hour": 8, "minute": 6}
